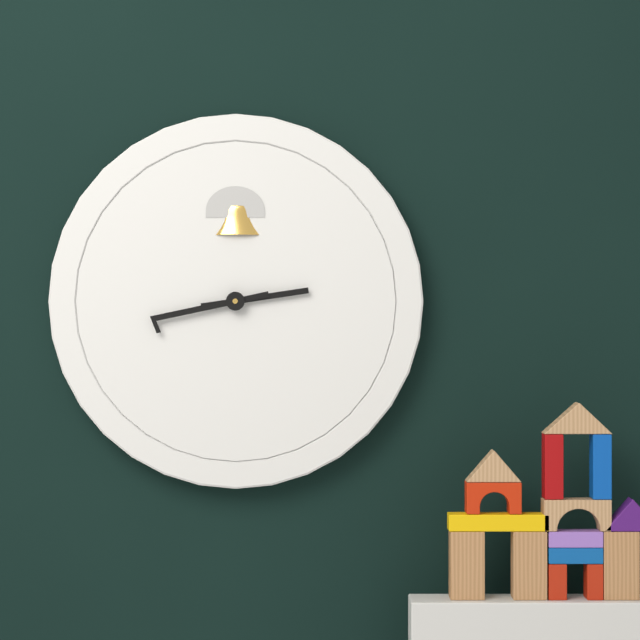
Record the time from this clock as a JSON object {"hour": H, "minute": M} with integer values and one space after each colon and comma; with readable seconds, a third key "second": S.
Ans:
{"hour": 2, "minute": 43}
